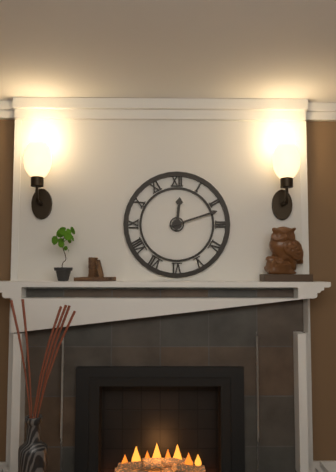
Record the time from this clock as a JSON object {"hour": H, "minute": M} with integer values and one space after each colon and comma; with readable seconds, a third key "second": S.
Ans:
{"hour": 12, "minute": 12}
